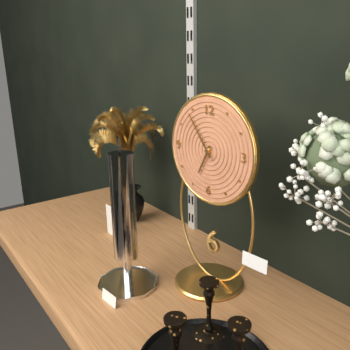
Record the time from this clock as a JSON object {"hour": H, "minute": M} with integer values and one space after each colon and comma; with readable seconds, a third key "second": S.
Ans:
{"hour": 6, "minute": 54}
